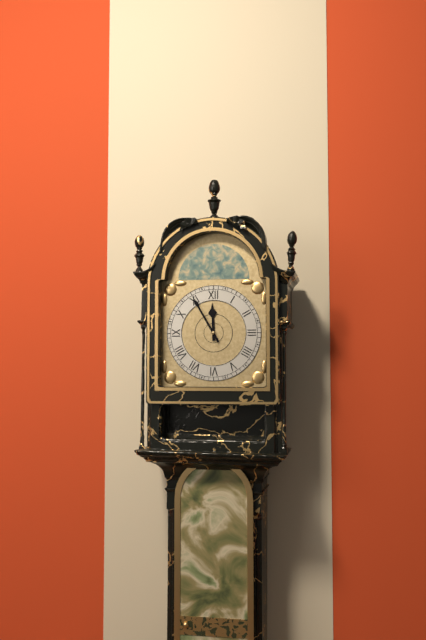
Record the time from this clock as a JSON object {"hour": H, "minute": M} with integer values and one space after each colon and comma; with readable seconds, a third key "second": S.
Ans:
{"hour": 11, "minute": 55}
